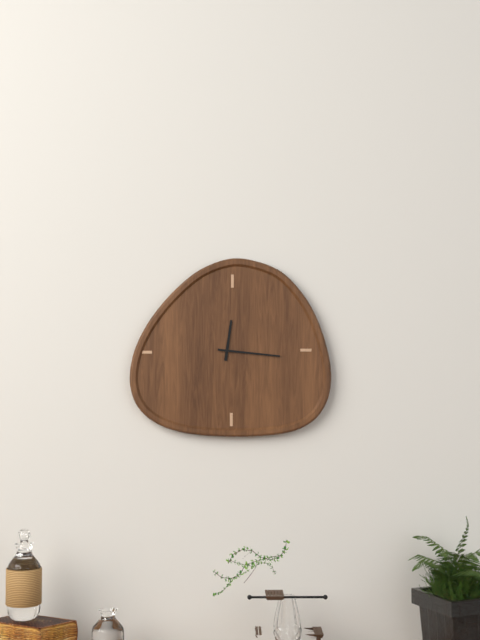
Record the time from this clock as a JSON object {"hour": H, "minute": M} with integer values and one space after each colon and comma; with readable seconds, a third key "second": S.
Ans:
{"hour": 12, "minute": 16}
